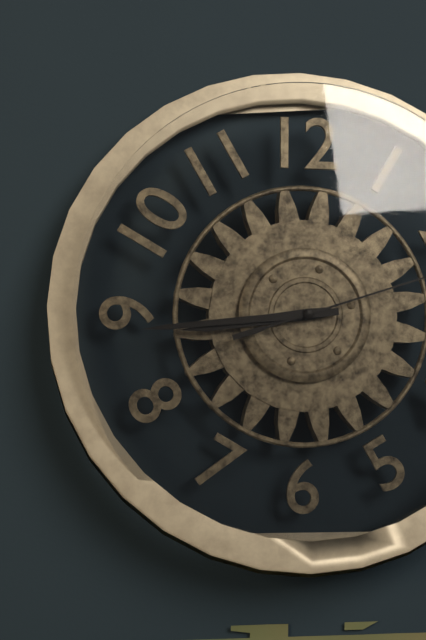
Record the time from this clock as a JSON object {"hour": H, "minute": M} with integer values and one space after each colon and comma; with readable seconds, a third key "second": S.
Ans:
{"hour": 8, "minute": 44}
